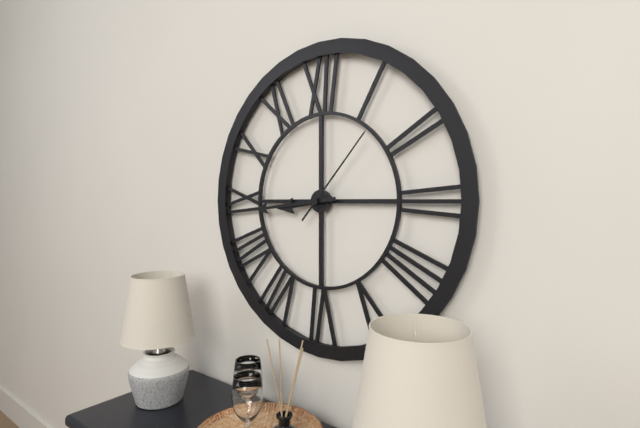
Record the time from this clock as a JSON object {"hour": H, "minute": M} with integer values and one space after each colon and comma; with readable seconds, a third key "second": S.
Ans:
{"hour": 8, "minute": 44, "second": 7}
